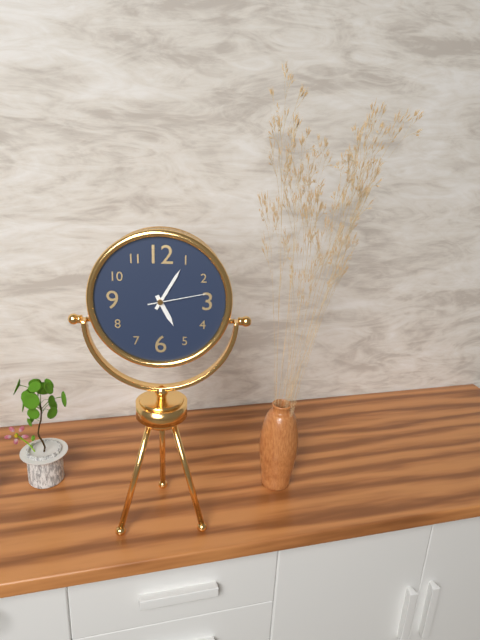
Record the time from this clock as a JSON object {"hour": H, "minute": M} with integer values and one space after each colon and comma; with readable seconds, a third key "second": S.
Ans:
{"hour": 5, "minute": 5, "second": 13}
